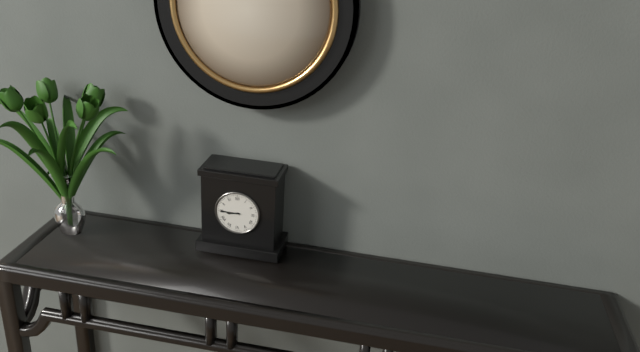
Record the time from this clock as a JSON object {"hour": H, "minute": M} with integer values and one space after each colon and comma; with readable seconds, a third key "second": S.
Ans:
{"hour": 8, "minute": 45}
